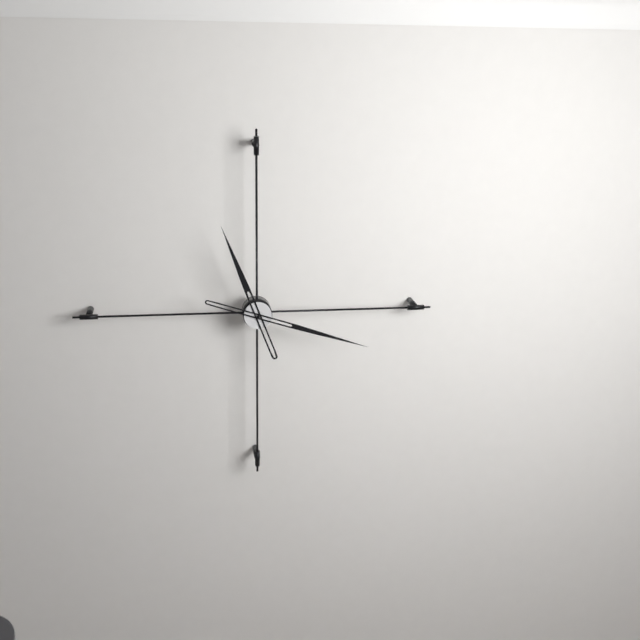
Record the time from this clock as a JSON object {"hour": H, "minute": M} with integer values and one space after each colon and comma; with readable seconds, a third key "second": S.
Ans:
{"hour": 11, "minute": 18}
